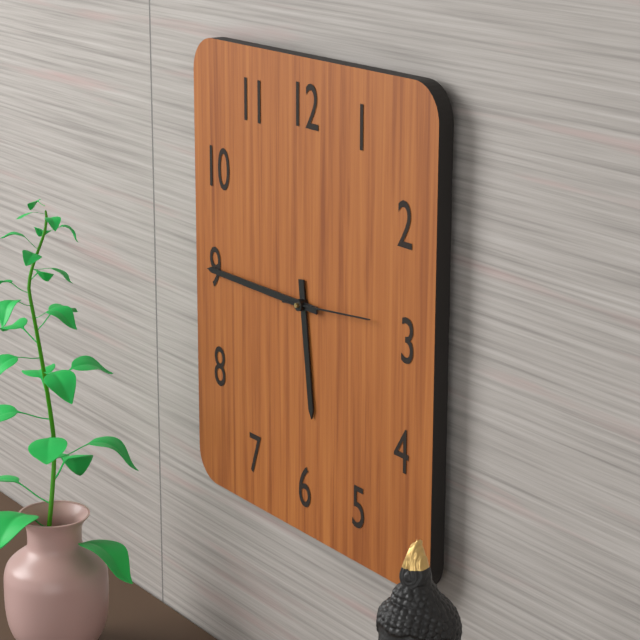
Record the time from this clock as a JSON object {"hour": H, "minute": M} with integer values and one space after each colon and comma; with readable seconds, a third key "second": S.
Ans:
{"hour": 5, "minute": 45, "second": 14}
